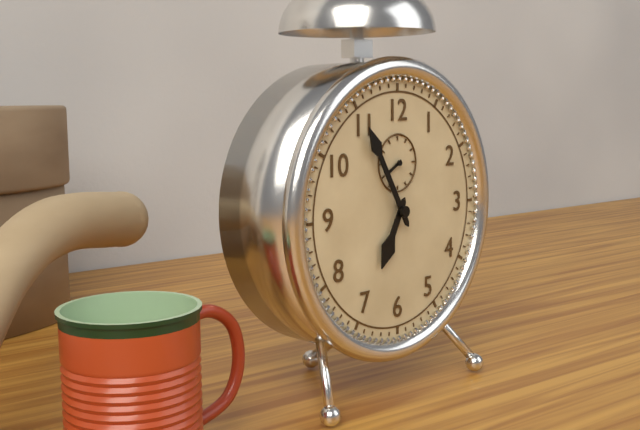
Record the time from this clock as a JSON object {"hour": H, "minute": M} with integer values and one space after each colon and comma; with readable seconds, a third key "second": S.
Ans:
{"hour": 6, "minute": 55}
